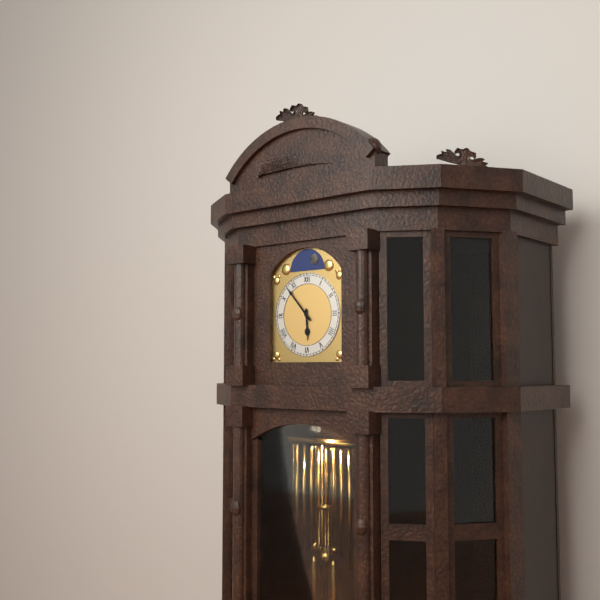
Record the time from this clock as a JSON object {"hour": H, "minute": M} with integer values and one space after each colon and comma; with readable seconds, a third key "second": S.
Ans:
{"hour": 5, "minute": 53}
